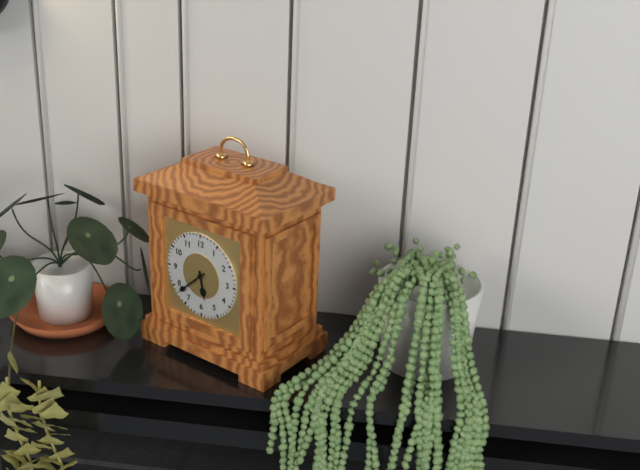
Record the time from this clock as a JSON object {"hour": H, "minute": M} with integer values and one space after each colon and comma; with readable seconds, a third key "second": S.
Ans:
{"hour": 5, "minute": 38}
